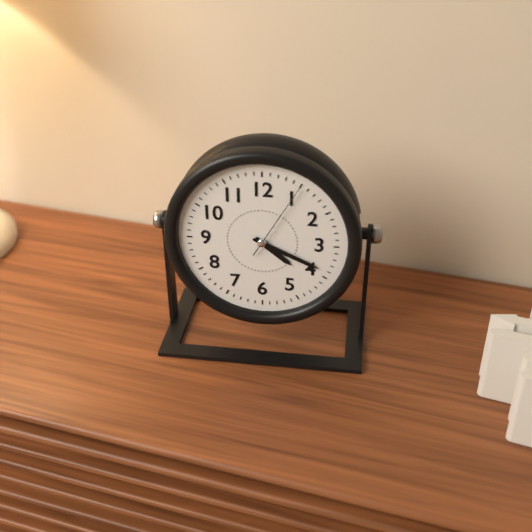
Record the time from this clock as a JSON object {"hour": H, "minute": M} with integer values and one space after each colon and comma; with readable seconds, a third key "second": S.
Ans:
{"hour": 4, "minute": 19, "second": 5}
